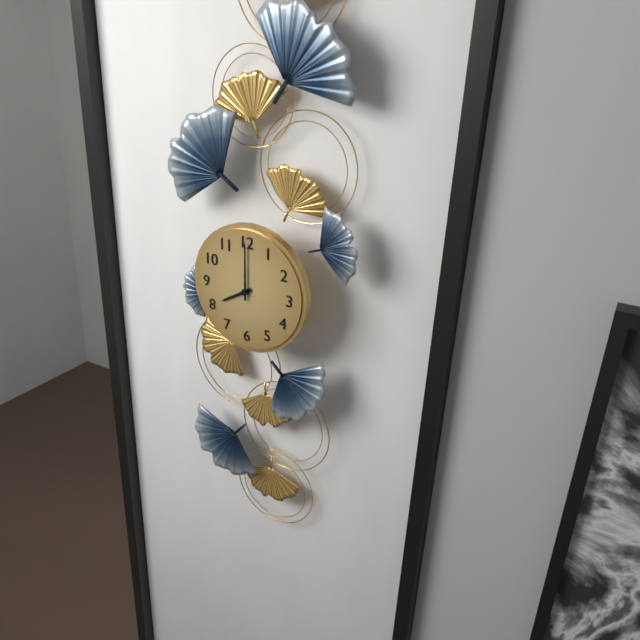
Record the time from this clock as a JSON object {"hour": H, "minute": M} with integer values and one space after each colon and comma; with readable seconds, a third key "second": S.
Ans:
{"hour": 8, "minute": 0}
